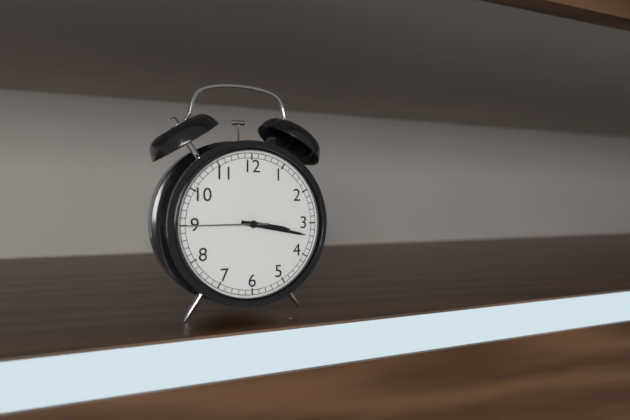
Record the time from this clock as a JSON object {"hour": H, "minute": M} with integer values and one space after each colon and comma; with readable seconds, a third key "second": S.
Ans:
{"hour": 3, "minute": 17, "second": 45}
